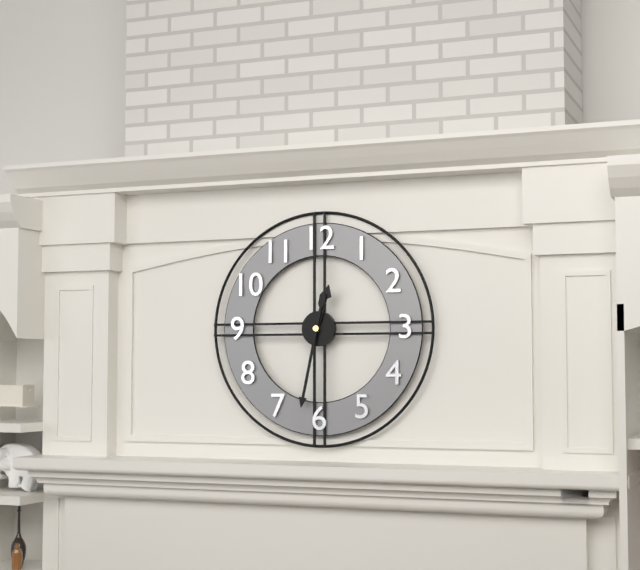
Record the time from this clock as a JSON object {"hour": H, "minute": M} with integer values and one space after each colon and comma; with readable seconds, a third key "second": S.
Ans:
{"hour": 12, "minute": 32}
